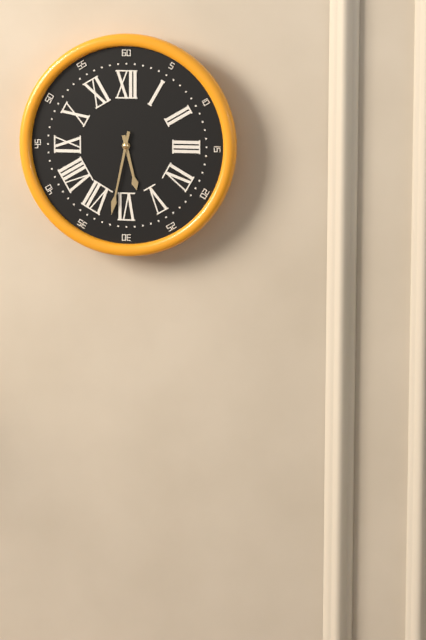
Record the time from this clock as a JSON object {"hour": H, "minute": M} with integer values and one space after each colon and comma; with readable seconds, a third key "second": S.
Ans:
{"hour": 5, "minute": 32}
